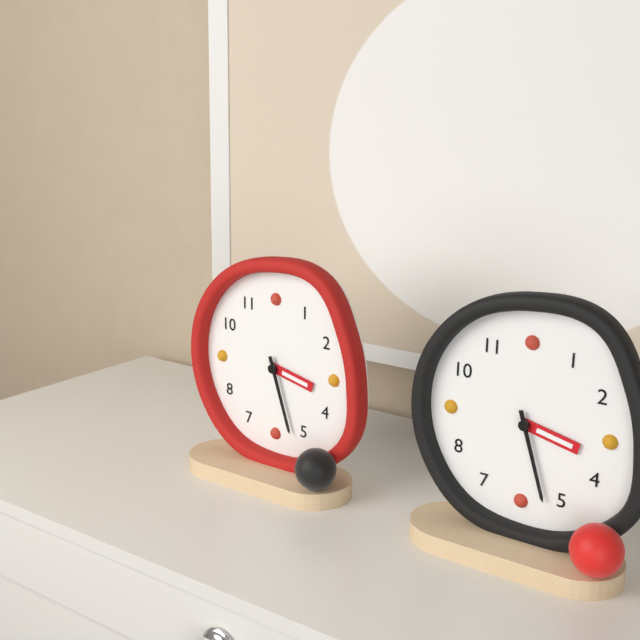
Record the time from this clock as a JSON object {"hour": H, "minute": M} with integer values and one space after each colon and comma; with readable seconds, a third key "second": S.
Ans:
{"hour": 3, "minute": 27}
